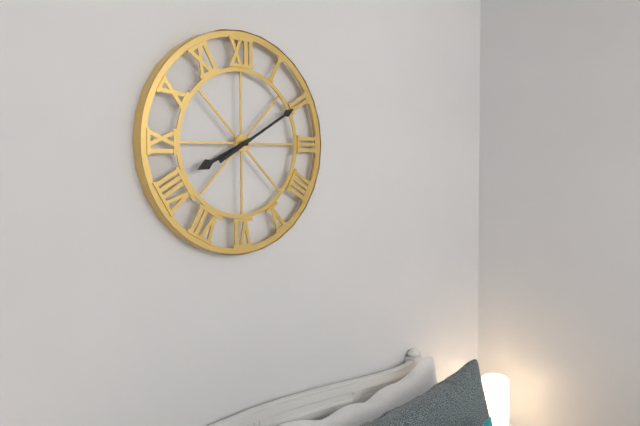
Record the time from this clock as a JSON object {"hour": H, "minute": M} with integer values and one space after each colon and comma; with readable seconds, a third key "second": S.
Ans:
{"hour": 8, "minute": 10}
